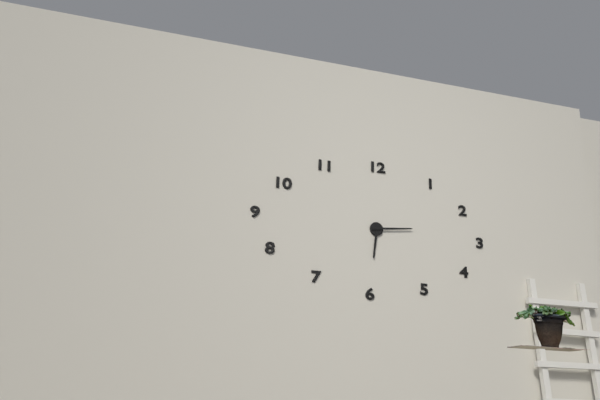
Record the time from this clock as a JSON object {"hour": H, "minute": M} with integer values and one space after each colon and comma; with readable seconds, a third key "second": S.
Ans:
{"hour": 6, "minute": 14}
